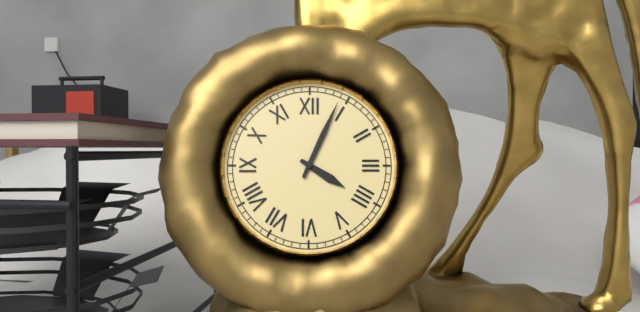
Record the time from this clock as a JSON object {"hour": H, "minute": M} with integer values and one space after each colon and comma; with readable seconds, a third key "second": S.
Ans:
{"hour": 4, "minute": 4}
